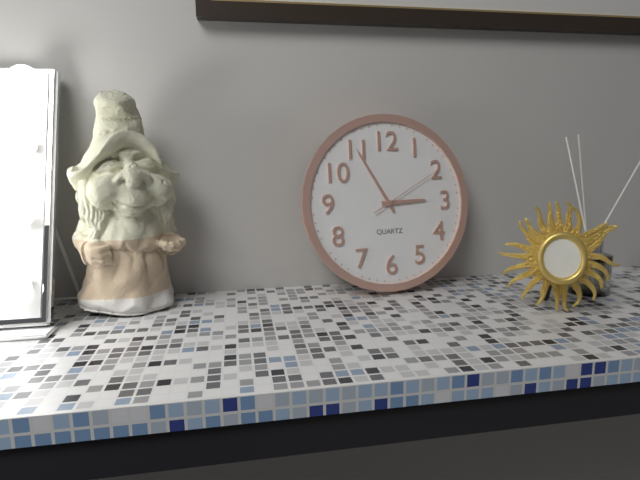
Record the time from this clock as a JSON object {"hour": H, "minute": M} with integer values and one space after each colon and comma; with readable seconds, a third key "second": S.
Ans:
{"hour": 2, "minute": 55, "second": 10}
